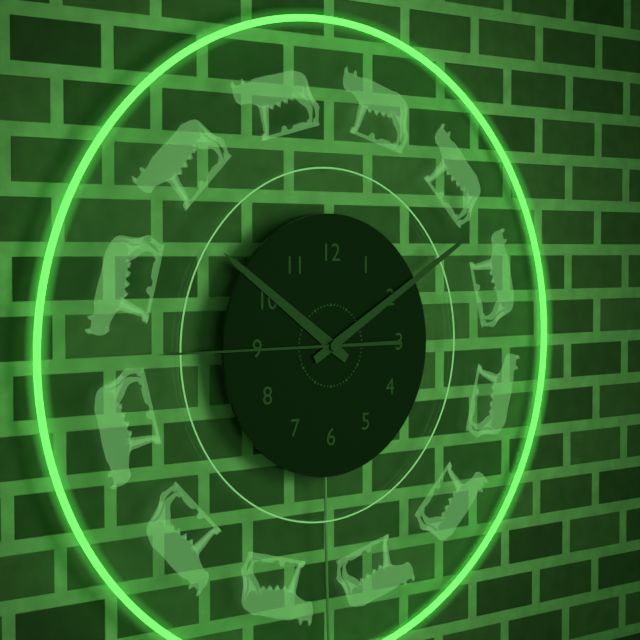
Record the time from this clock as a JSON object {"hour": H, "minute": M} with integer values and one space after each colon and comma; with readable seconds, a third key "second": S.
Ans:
{"hour": 10, "minute": 10, "second": 45}
